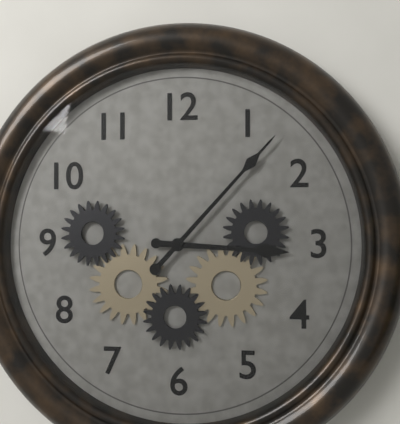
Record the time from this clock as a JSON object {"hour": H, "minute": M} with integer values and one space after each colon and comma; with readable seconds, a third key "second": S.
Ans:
{"hour": 3, "minute": 7}
